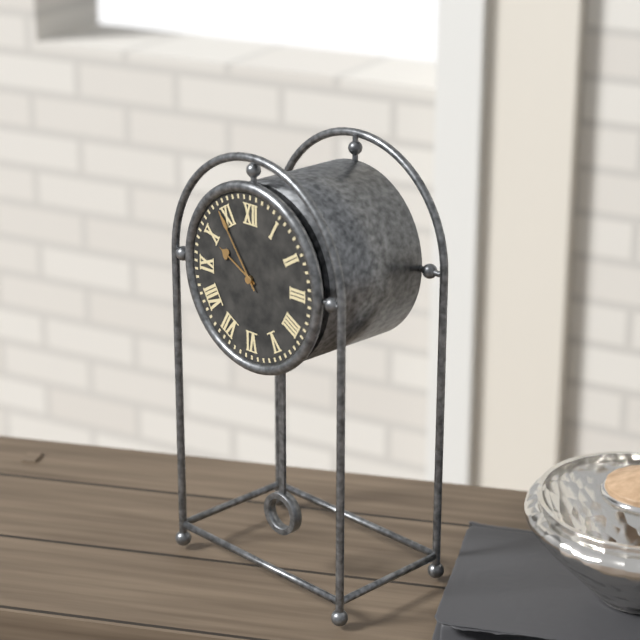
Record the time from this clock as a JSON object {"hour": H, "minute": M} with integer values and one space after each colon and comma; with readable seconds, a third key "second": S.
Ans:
{"hour": 9, "minute": 54}
